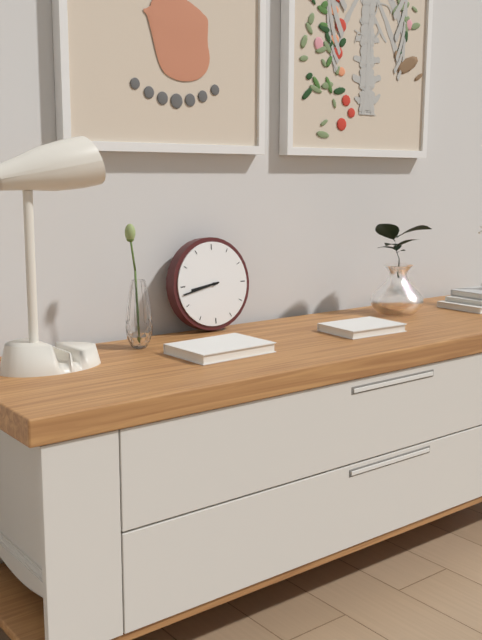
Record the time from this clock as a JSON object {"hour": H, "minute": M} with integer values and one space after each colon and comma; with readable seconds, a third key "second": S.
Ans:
{"hour": 8, "minute": 43}
